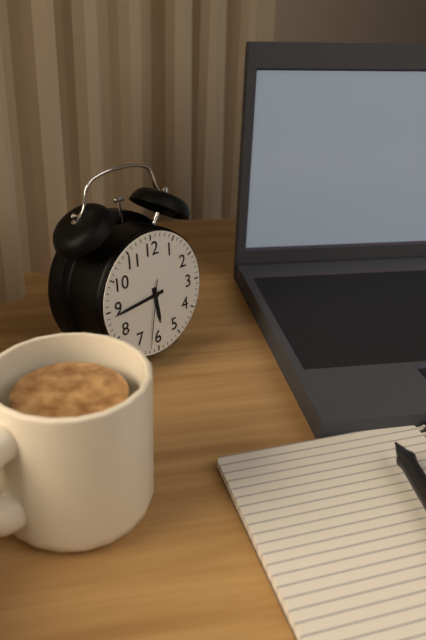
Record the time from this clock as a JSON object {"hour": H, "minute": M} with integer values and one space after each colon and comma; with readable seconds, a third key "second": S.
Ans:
{"hour": 5, "minute": 44, "second": 32}
